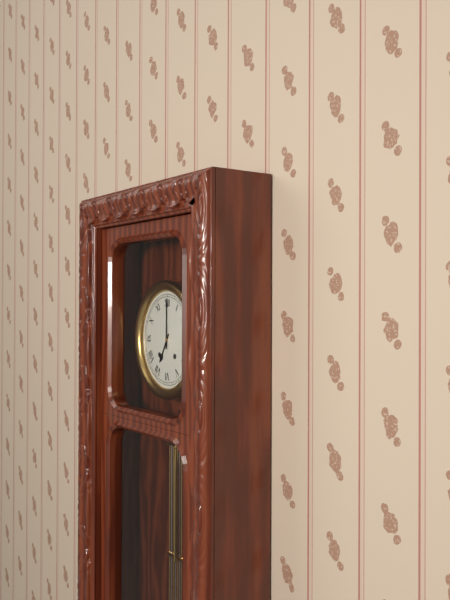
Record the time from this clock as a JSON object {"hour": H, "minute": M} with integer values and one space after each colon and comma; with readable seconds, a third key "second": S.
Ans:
{"hour": 7, "minute": 0}
